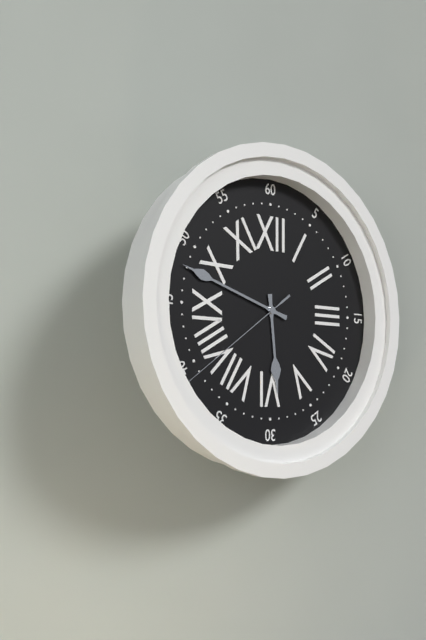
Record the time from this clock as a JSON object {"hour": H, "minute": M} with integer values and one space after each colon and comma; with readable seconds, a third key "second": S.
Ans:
{"hour": 5, "minute": 48, "second": 39}
